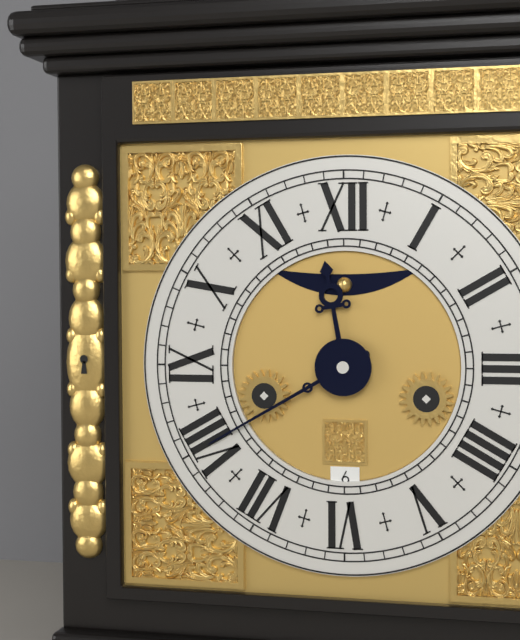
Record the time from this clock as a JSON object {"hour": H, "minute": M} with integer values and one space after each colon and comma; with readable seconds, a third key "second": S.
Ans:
{"hour": 11, "minute": 40}
